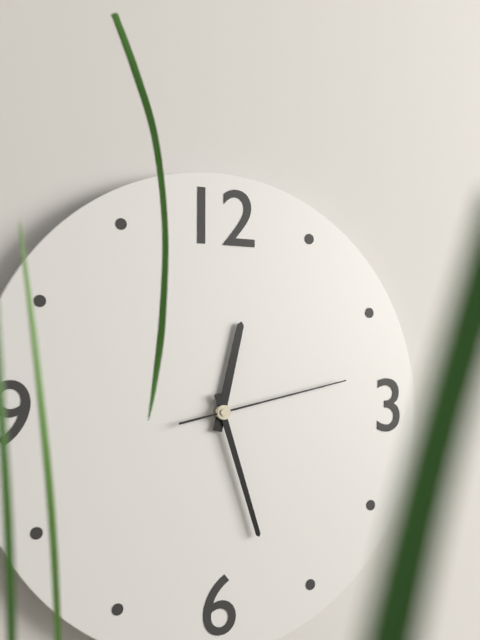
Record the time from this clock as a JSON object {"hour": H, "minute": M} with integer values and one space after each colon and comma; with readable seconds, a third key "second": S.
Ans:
{"hour": 12, "minute": 27, "second": 13}
